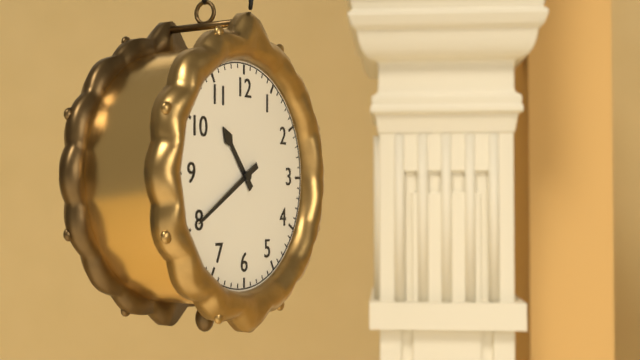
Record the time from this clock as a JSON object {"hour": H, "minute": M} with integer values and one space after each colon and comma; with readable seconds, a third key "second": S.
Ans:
{"hour": 10, "minute": 40}
